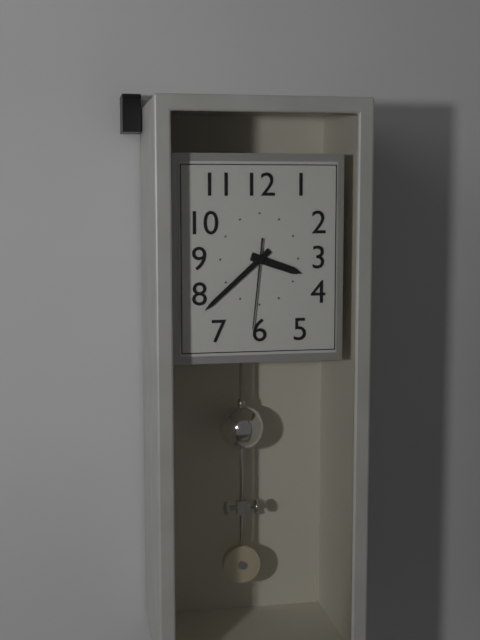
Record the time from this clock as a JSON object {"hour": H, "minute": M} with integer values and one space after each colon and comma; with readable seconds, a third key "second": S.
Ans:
{"hour": 3, "minute": 38, "second": 31}
